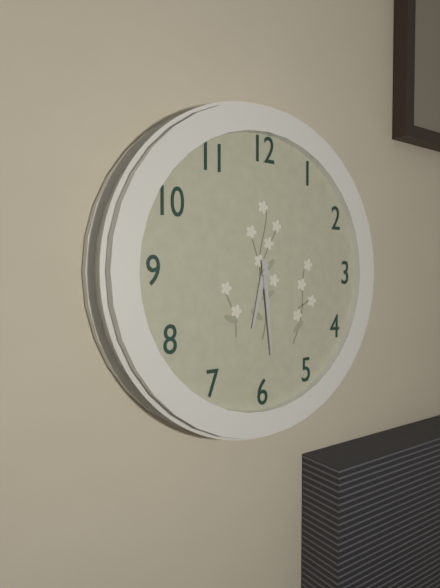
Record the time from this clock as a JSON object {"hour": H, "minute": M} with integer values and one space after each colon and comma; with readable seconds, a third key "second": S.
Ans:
{"hour": 6, "minute": 29}
